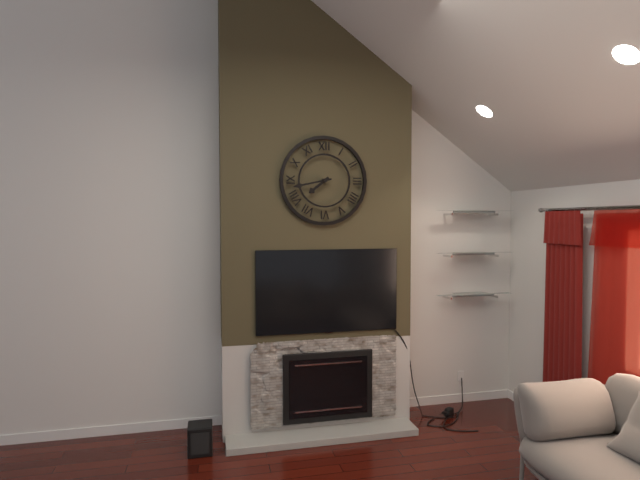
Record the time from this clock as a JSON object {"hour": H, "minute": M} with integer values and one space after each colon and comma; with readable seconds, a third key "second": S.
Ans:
{"hour": 7, "minute": 43}
